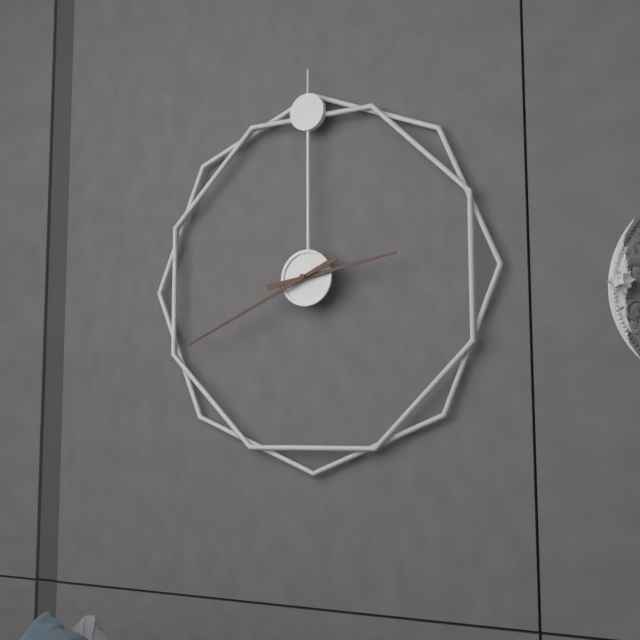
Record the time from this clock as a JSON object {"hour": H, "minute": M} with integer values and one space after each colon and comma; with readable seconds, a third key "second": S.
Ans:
{"hour": 2, "minute": 41}
